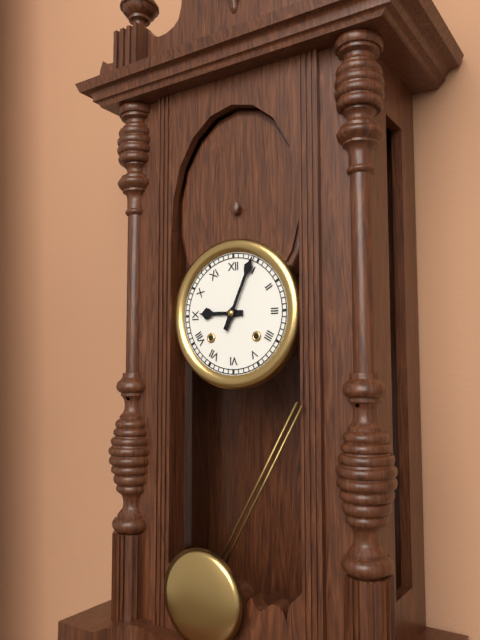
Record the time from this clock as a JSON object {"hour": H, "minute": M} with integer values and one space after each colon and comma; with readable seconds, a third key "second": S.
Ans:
{"hour": 9, "minute": 4}
